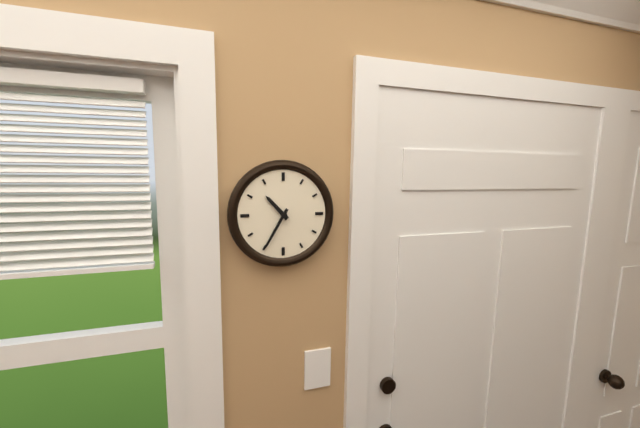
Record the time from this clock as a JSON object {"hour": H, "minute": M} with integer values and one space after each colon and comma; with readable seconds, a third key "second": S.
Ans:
{"hour": 10, "minute": 35}
